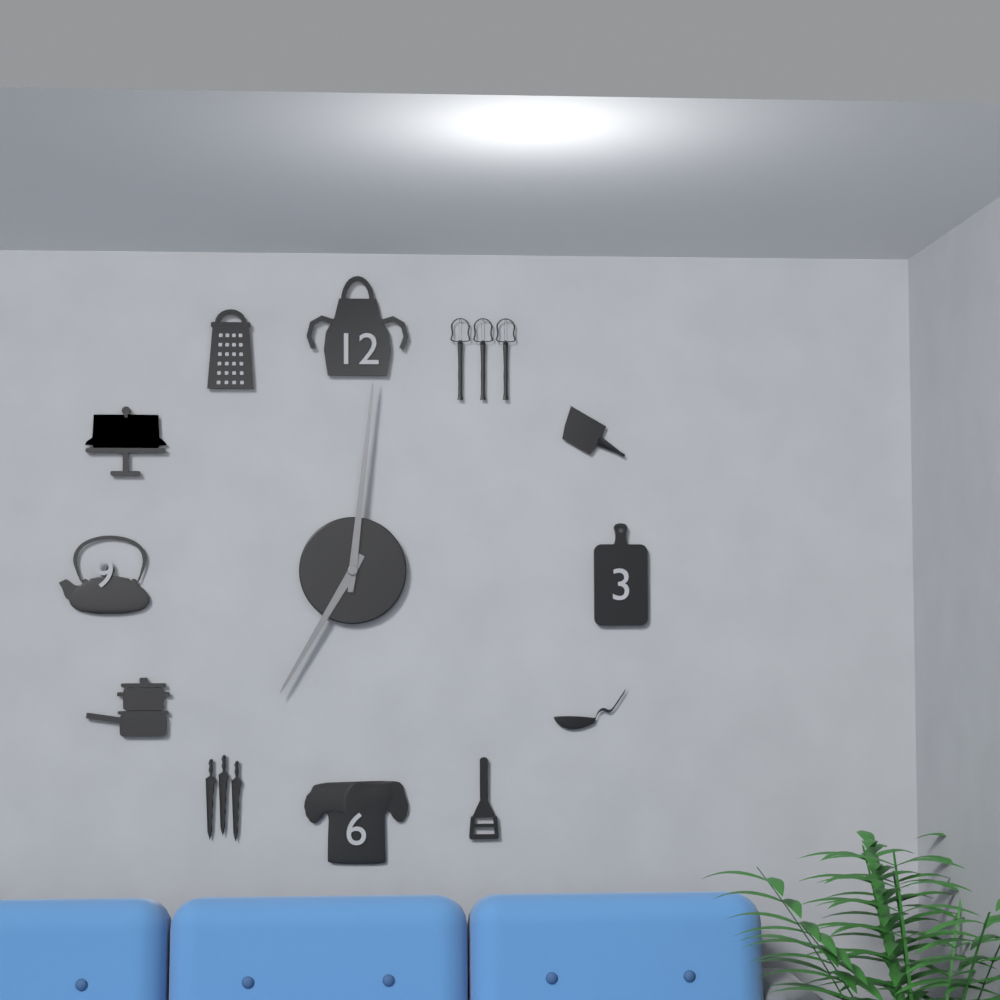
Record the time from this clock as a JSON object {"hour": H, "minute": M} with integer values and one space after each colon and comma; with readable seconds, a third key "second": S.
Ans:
{"hour": 7, "minute": 1}
